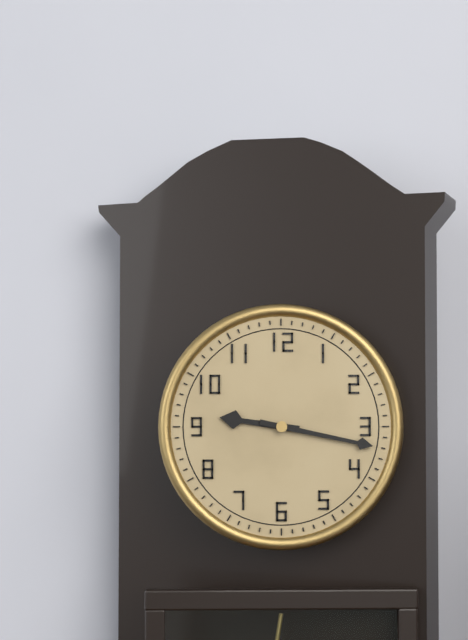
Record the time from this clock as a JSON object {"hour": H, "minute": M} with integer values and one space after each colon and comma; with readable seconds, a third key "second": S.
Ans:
{"hour": 9, "minute": 17}
